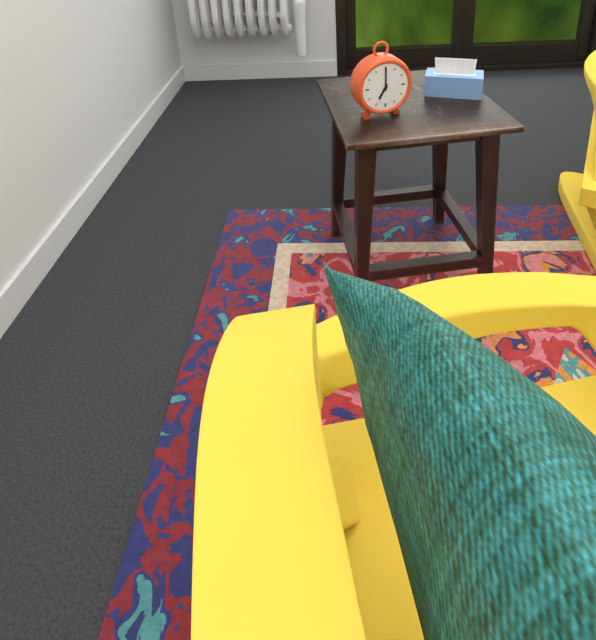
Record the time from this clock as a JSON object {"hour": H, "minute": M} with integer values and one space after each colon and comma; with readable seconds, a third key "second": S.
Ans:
{"hour": 7, "minute": 0}
